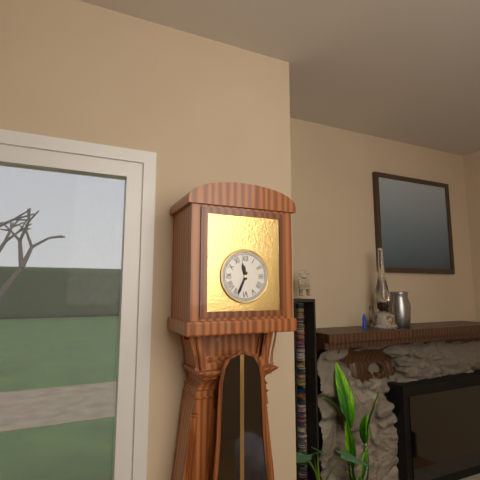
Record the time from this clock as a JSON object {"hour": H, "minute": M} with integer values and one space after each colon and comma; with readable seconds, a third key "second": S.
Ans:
{"hour": 11, "minute": 34}
